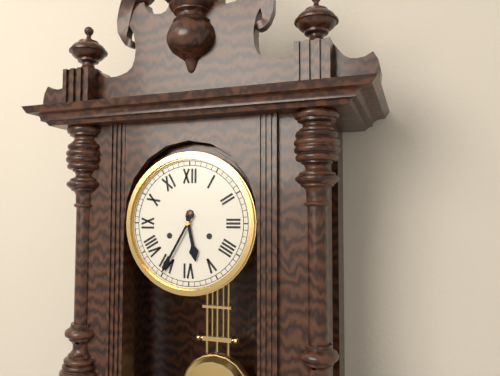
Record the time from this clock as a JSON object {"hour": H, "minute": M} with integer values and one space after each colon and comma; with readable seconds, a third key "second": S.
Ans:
{"hour": 5, "minute": 35}
